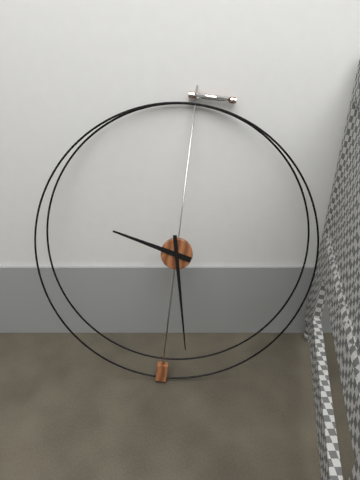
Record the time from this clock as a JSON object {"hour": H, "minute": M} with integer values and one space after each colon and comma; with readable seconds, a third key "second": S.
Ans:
{"hour": 9, "minute": 28}
